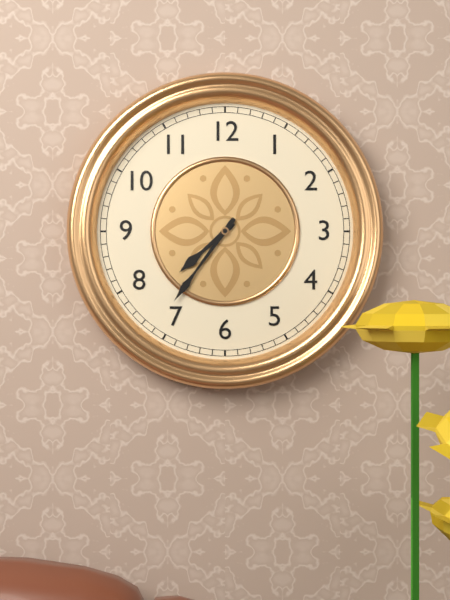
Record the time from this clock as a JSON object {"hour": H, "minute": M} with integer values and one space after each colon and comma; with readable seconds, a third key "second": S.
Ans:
{"hour": 7, "minute": 36}
